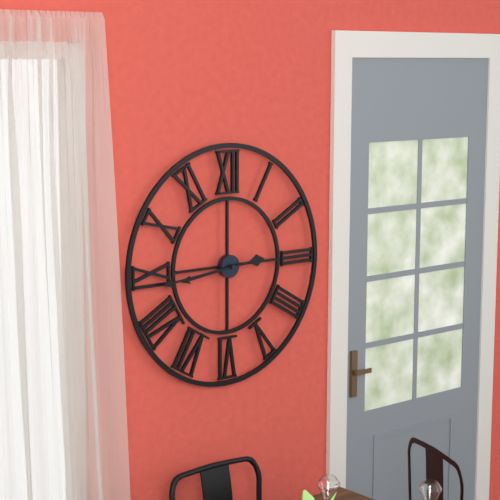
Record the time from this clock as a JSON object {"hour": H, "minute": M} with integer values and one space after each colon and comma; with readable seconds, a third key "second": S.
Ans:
{"hour": 8, "minute": 44}
